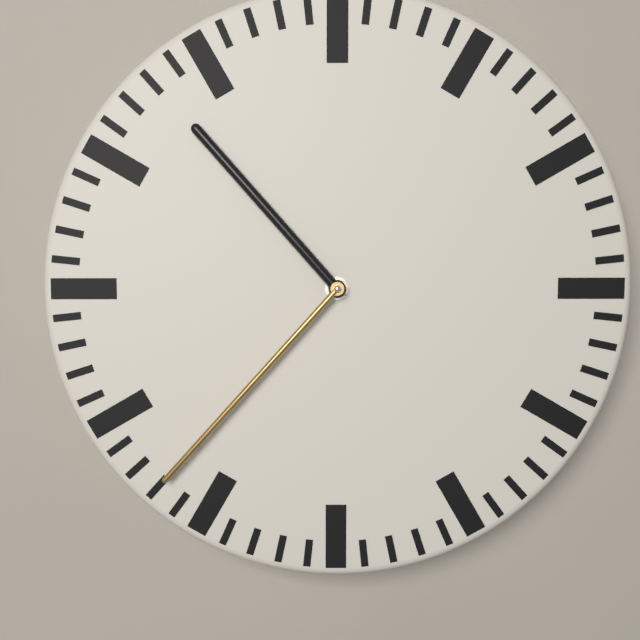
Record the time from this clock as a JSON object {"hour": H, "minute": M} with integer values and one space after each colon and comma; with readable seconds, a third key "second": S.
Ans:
{"hour": 10, "minute": 37}
